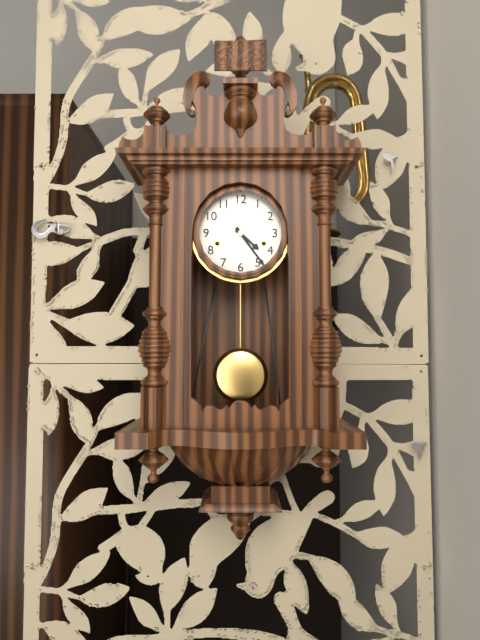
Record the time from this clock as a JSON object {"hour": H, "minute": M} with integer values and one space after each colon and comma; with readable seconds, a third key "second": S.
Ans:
{"hour": 4, "minute": 24}
